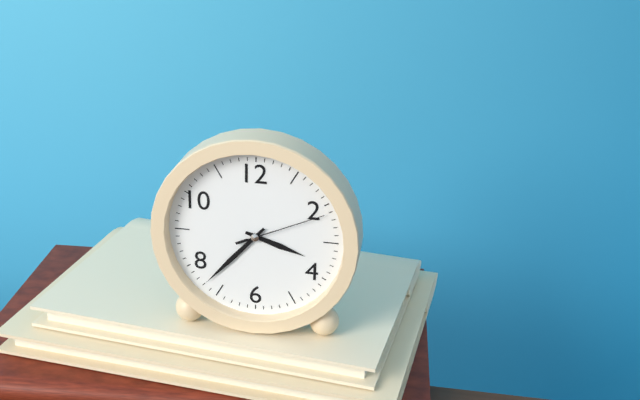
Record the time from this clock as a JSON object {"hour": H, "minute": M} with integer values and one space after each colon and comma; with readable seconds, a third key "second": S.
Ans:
{"hour": 3, "minute": 37, "second": 11}
